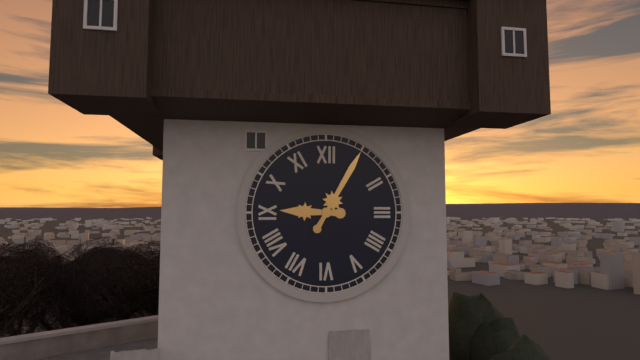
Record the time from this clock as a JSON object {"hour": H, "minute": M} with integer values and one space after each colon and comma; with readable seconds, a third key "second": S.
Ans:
{"hour": 9, "minute": 5}
